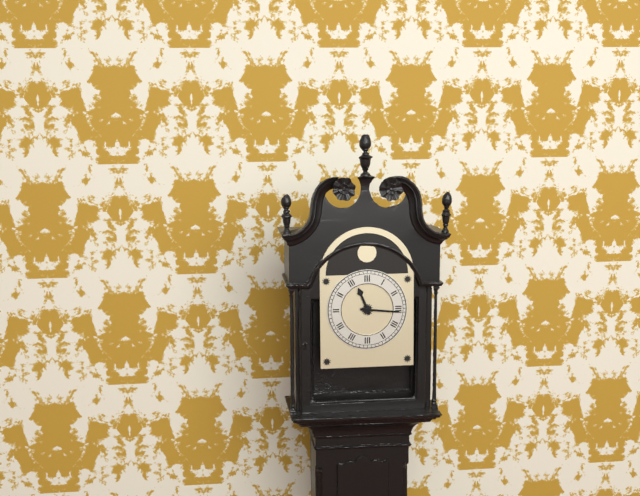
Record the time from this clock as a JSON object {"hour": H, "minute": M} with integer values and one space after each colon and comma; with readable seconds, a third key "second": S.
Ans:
{"hour": 11, "minute": 16}
